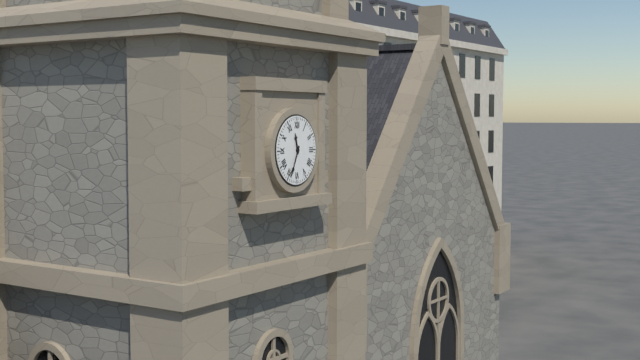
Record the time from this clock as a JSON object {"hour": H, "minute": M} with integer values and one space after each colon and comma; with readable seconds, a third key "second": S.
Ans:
{"hour": 11, "minute": 34}
